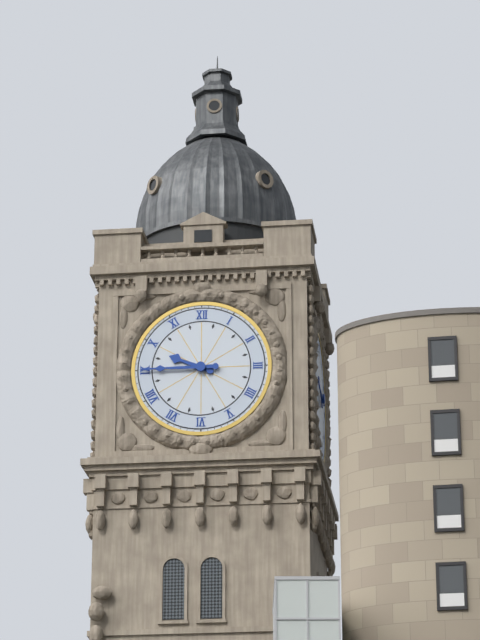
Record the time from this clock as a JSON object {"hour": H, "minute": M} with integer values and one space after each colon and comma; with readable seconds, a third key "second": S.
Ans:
{"hour": 9, "minute": 45}
